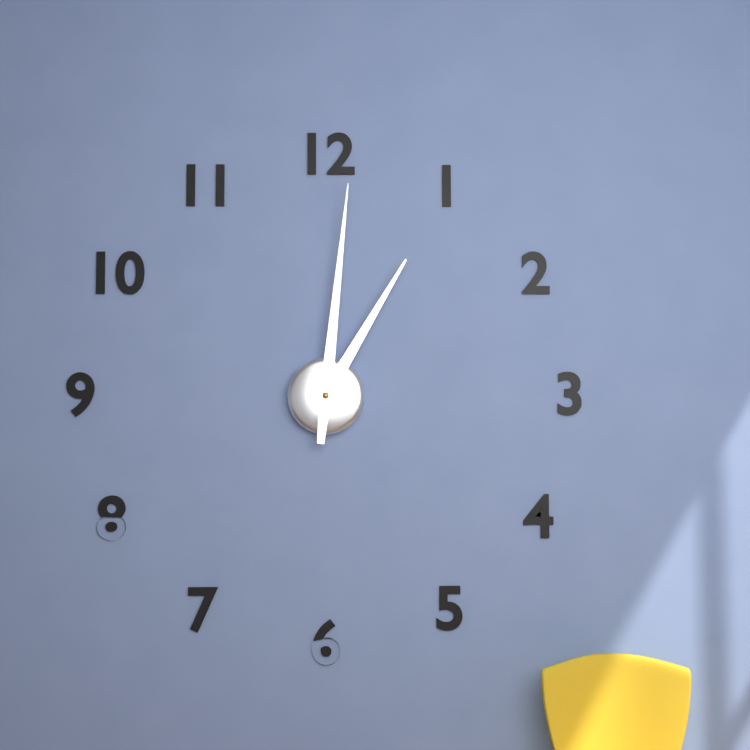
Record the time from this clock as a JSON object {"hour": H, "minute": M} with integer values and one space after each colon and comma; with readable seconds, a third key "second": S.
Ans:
{"hour": 1, "minute": 1}
